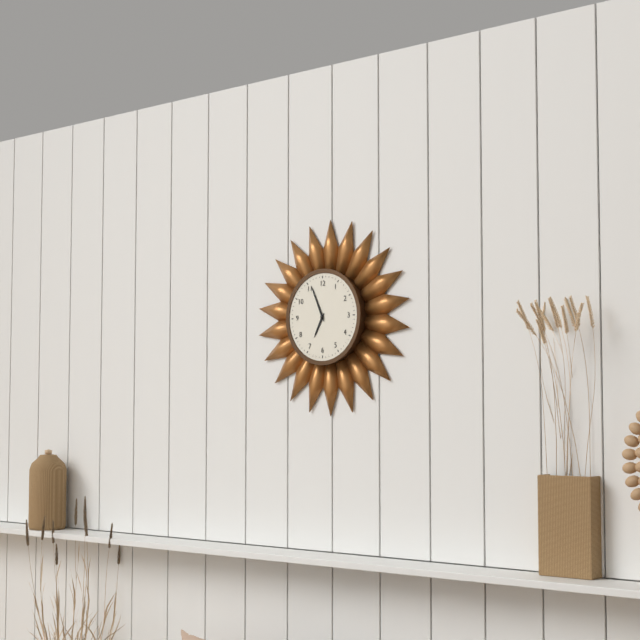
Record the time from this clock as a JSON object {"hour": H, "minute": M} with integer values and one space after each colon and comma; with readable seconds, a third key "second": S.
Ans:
{"hour": 6, "minute": 56}
